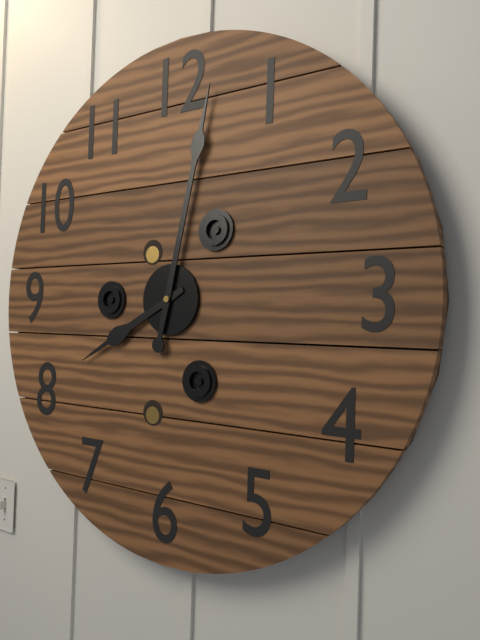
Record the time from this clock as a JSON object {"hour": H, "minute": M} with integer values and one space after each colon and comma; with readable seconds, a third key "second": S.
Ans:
{"hour": 8, "minute": 2}
